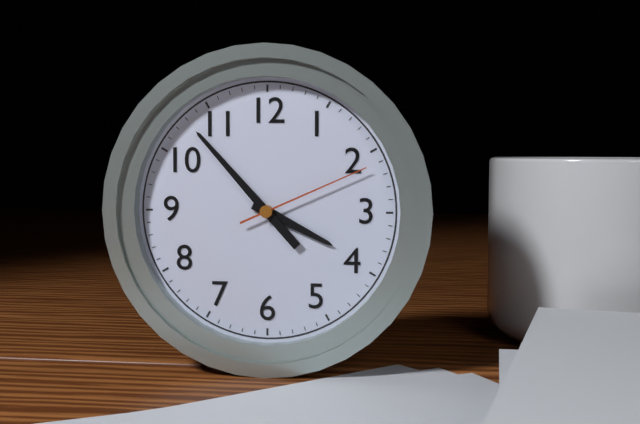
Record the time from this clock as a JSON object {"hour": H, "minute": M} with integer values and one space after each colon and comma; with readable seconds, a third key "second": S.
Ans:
{"hour": 3, "minute": 53, "second": 11}
